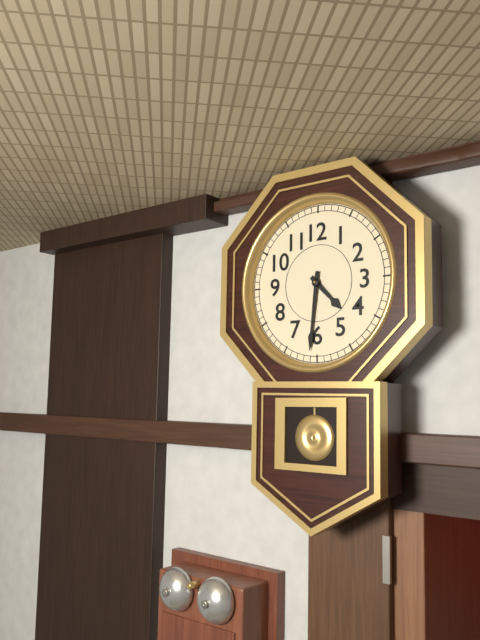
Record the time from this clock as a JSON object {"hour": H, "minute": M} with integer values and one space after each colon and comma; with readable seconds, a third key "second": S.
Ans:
{"hour": 4, "minute": 31}
